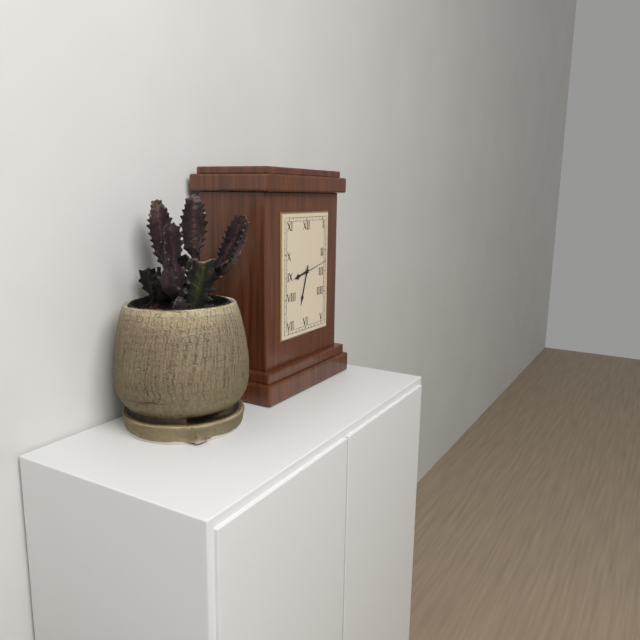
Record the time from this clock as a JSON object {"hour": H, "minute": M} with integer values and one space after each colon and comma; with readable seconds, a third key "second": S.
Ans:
{"hour": 8, "minute": 33, "second": 13}
